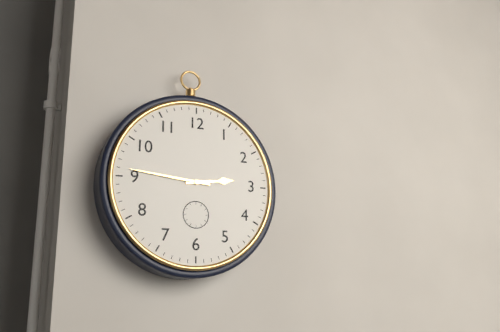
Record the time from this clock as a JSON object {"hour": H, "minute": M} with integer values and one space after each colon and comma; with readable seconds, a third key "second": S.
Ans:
{"hour": 2, "minute": 46}
